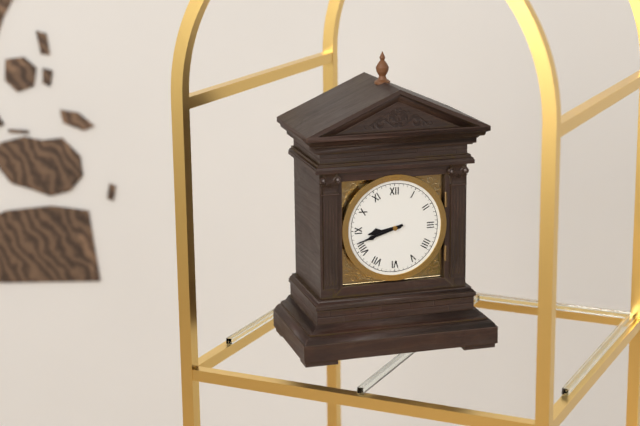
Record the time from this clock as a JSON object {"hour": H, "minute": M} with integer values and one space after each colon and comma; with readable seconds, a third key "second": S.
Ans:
{"hour": 8, "minute": 42}
